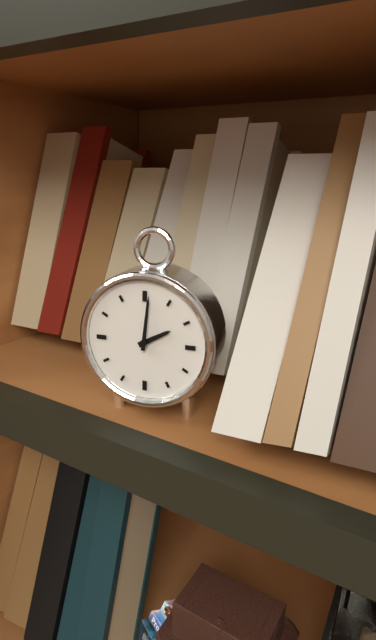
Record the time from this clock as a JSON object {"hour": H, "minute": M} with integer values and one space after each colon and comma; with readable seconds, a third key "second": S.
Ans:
{"hour": 2, "minute": 1}
